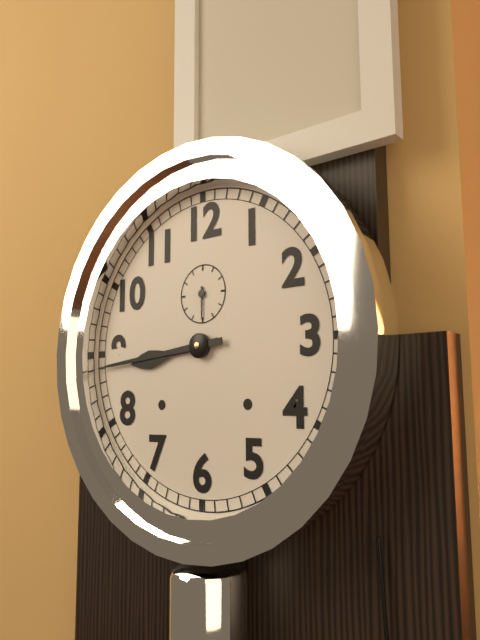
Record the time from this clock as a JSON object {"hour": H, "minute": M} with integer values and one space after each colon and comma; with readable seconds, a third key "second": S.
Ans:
{"hour": 8, "minute": 44}
